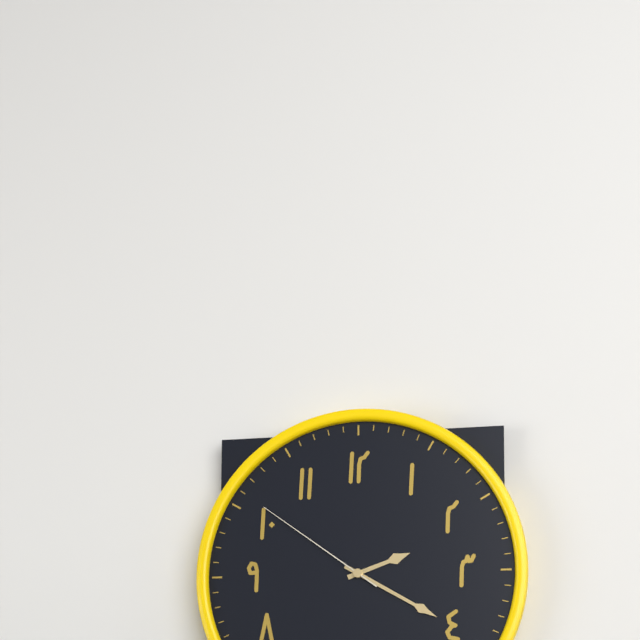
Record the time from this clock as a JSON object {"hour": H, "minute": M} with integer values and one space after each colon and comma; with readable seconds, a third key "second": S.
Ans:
{"hour": 2, "minute": 20, "second": 51}
